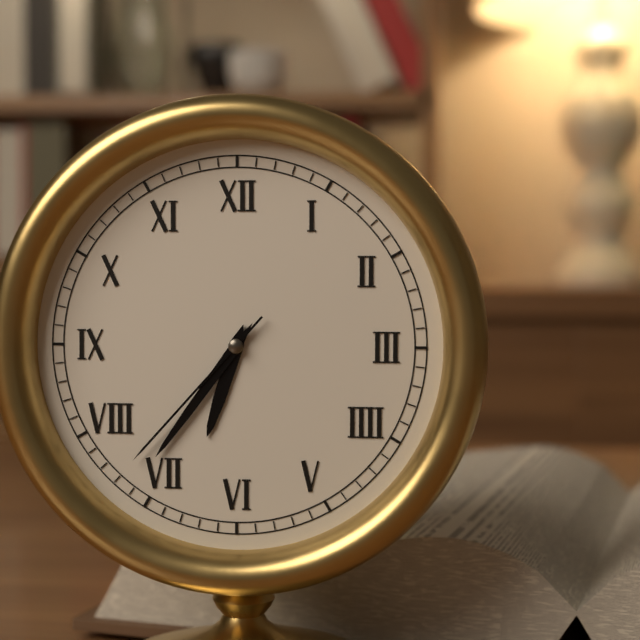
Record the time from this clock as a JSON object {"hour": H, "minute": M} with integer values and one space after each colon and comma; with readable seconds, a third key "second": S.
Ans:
{"hour": 6, "minute": 36, "second": 37}
